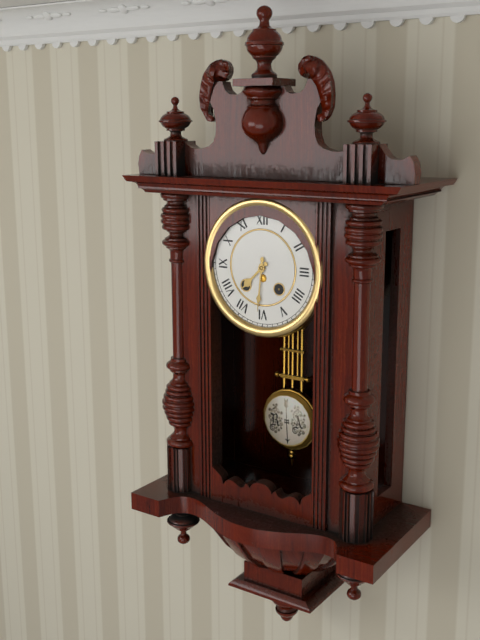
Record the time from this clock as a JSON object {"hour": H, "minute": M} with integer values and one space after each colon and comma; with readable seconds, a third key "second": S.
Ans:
{"hour": 7, "minute": 31}
